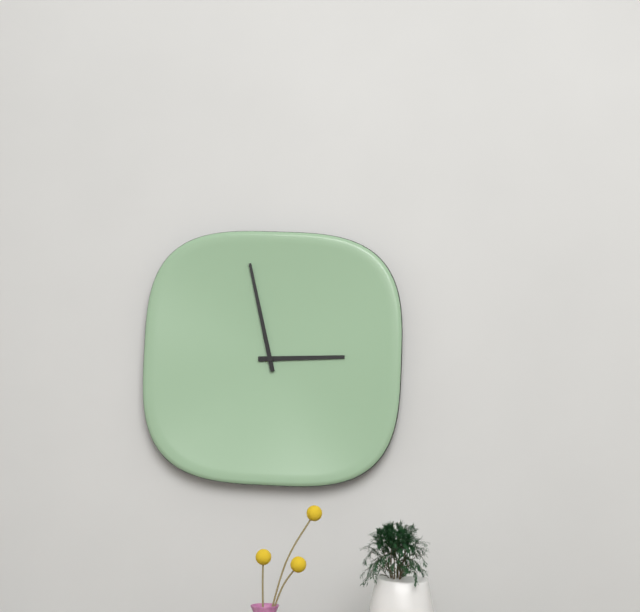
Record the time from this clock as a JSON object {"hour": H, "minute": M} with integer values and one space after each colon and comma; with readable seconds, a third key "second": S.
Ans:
{"hour": 2, "minute": 58}
